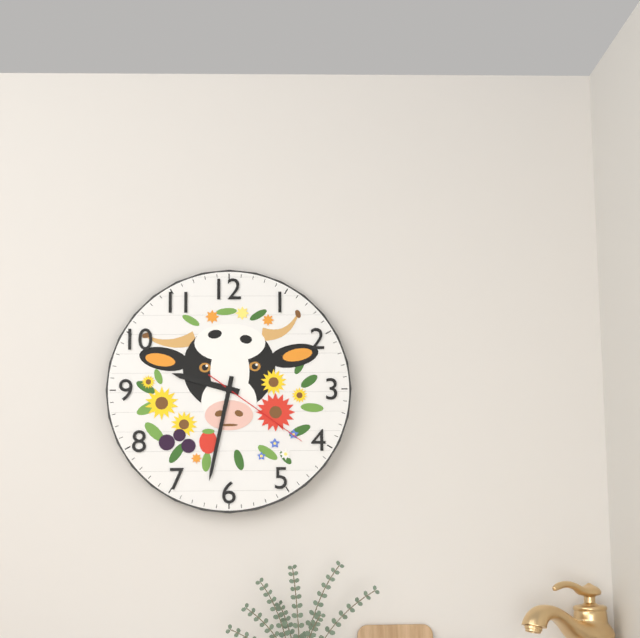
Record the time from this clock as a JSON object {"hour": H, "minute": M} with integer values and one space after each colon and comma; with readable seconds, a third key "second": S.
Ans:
{"hour": 9, "minute": 32, "second": 21}
